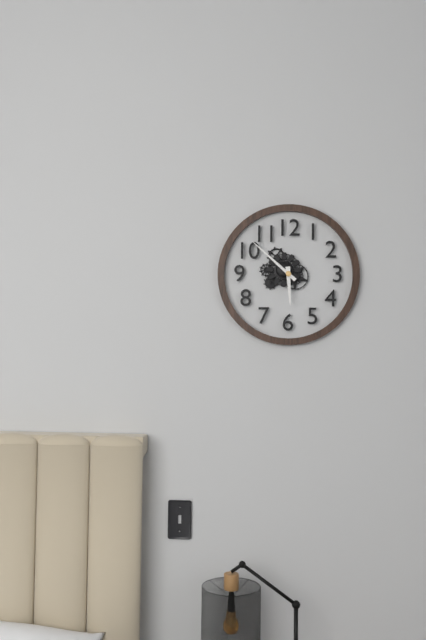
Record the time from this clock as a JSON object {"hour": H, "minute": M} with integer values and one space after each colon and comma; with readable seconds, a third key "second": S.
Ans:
{"hour": 5, "minute": 52}
